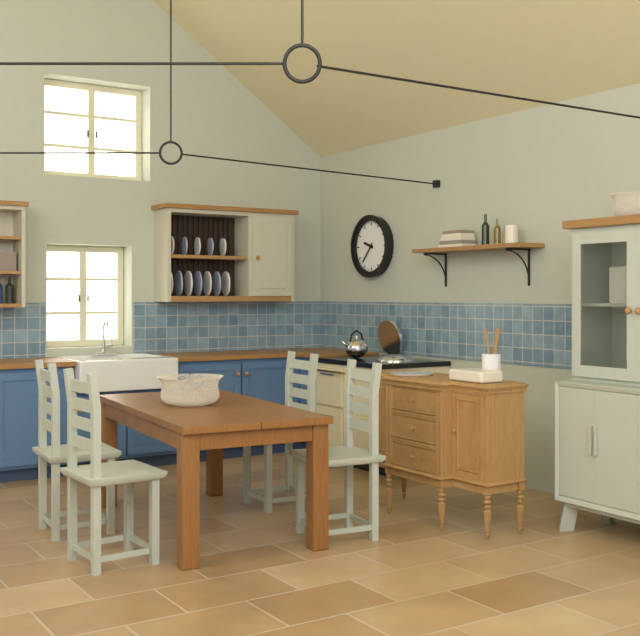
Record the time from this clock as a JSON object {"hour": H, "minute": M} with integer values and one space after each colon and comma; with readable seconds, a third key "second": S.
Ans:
{"hour": 9, "minute": 37}
